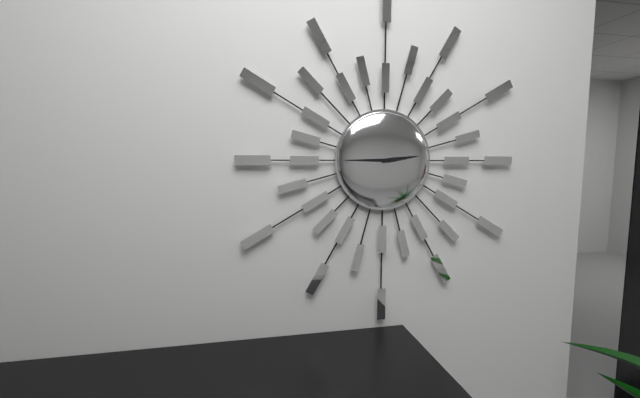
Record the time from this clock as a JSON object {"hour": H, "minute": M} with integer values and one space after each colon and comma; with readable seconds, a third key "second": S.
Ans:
{"hour": 2, "minute": 45}
